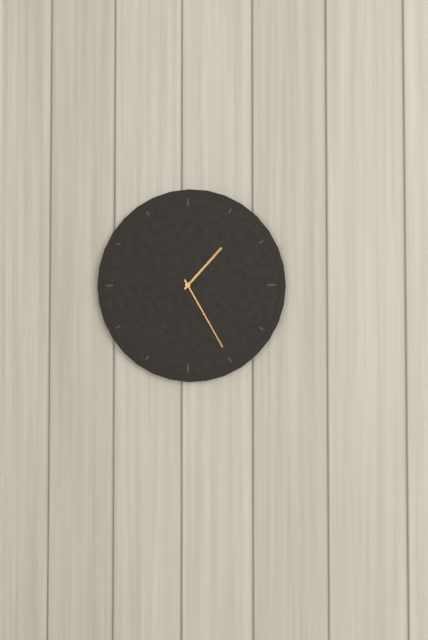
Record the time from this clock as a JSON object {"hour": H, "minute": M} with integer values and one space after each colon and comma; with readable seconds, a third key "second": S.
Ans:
{"hour": 1, "minute": 25}
